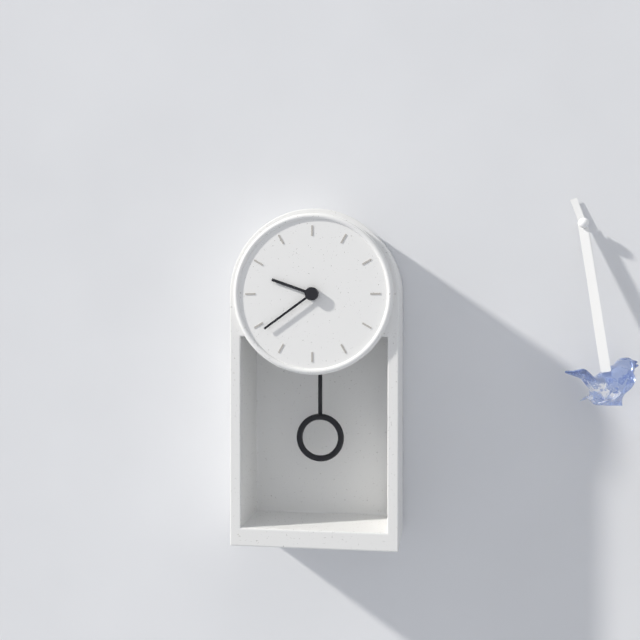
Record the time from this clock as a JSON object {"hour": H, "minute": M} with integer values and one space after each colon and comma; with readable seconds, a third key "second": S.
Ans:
{"hour": 9, "minute": 39}
